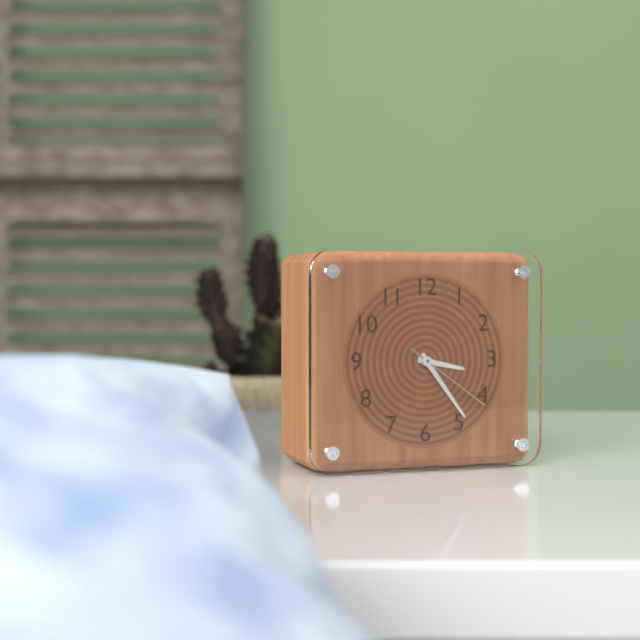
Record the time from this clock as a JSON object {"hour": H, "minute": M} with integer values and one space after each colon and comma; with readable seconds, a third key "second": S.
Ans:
{"hour": 3, "minute": 24, "second": 21}
